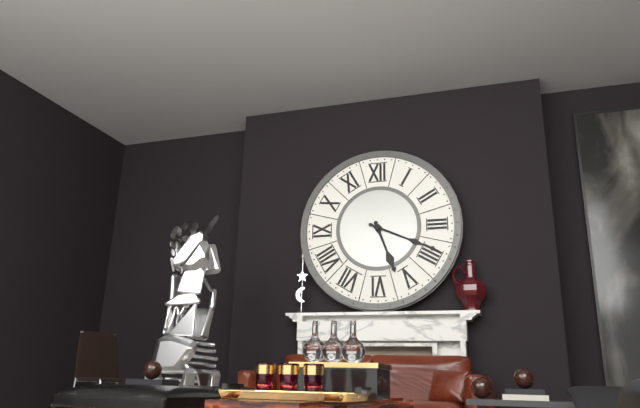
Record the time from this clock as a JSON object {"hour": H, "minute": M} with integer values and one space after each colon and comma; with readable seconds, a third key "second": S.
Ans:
{"hour": 5, "minute": 19}
